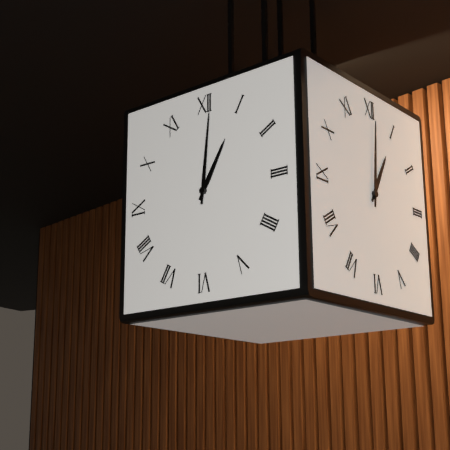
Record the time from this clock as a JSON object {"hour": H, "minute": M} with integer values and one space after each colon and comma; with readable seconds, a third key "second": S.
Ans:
{"hour": 1, "minute": 1}
